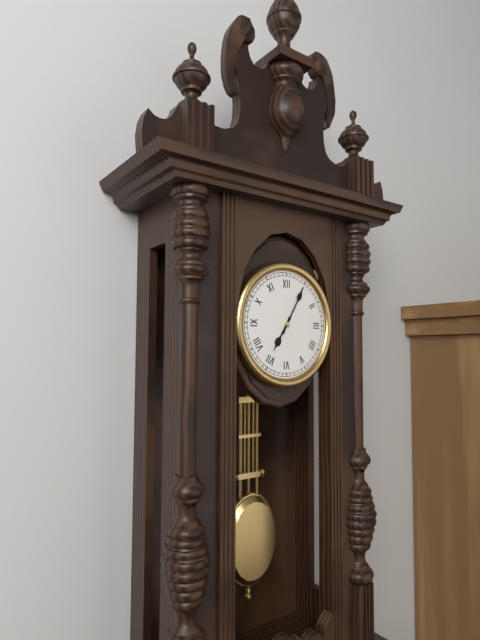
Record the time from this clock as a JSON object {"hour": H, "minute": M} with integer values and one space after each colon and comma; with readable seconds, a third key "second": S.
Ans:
{"hour": 7, "minute": 5}
